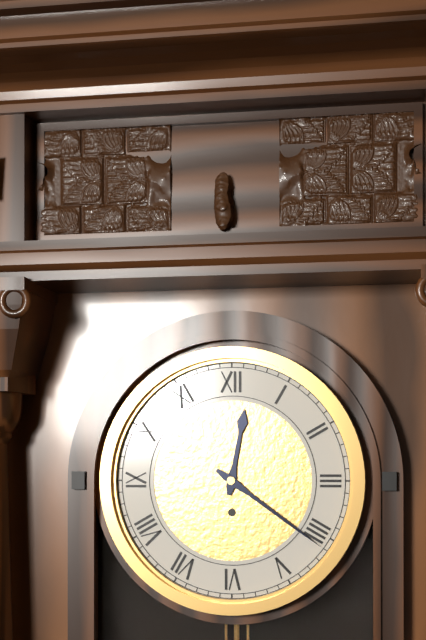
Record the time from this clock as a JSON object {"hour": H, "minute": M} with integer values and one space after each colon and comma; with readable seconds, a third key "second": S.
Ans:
{"hour": 12, "minute": 21}
